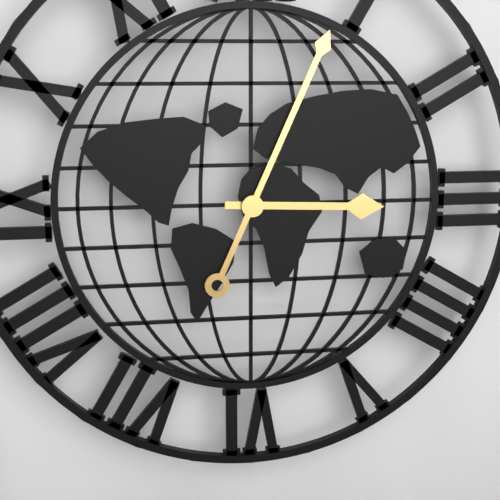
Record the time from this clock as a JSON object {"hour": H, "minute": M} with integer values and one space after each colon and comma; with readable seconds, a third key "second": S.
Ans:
{"hour": 3, "minute": 4}
